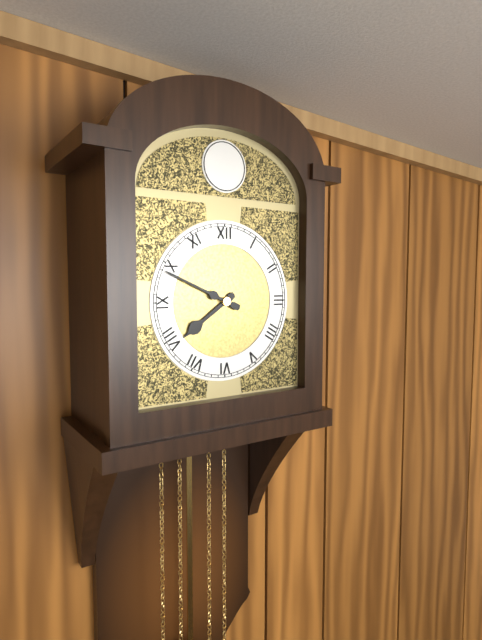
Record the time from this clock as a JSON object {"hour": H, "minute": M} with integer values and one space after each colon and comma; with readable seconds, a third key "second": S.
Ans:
{"hour": 7, "minute": 49}
